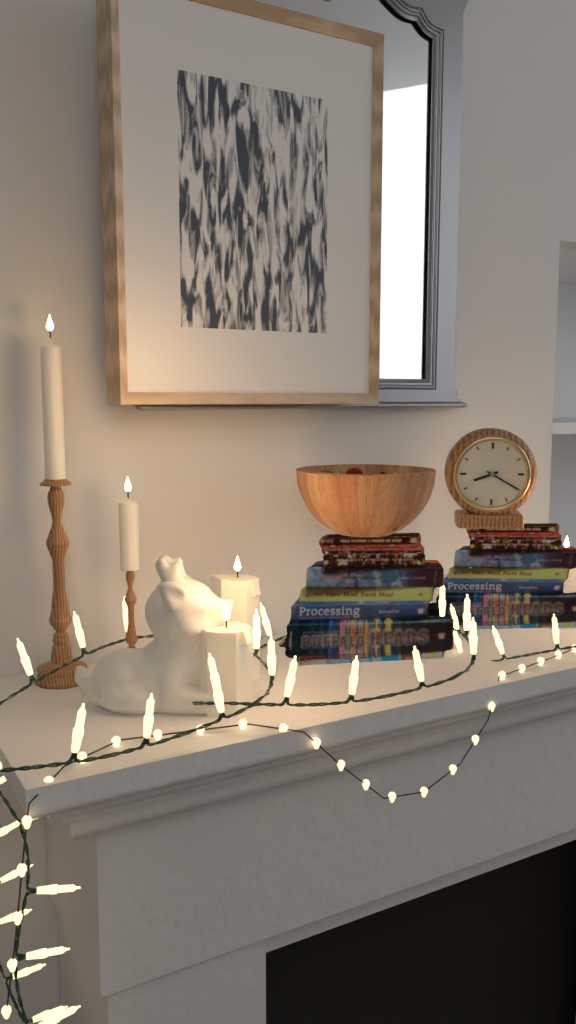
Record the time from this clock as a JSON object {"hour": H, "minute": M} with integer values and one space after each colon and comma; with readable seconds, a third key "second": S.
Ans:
{"hour": 8, "minute": 20}
